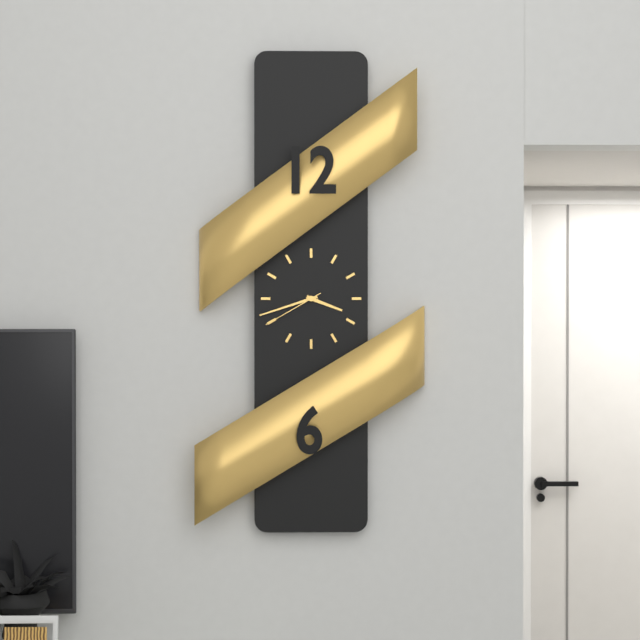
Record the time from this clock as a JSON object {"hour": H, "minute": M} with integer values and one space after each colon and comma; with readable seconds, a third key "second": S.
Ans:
{"hour": 3, "minute": 42, "second": 40}
